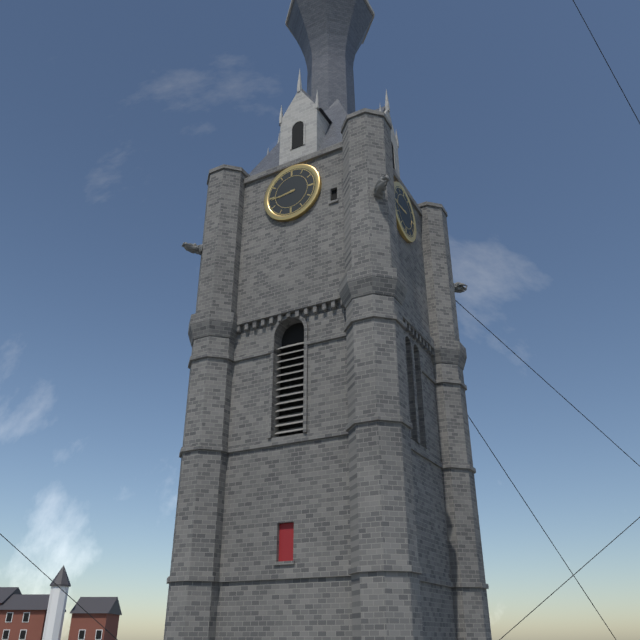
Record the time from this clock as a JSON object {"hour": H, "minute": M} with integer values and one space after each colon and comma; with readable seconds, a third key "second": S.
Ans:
{"hour": 8, "minute": 44}
